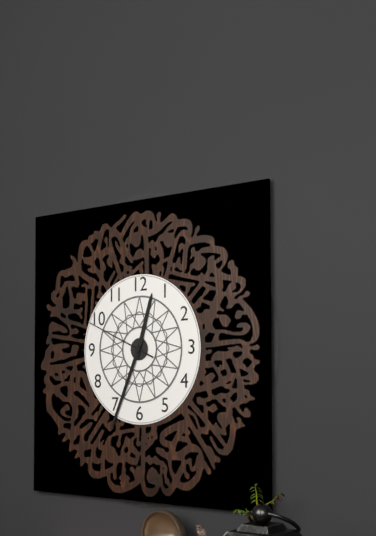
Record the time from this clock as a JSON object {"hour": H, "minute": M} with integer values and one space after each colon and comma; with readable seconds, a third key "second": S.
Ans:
{"hour": 12, "minute": 34, "second": 49}
